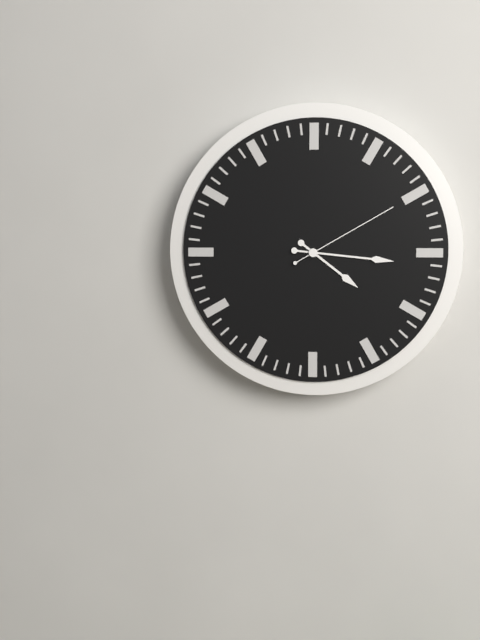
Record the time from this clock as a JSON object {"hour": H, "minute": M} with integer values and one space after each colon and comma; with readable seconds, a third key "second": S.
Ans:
{"hour": 4, "minute": 16, "second": 10}
